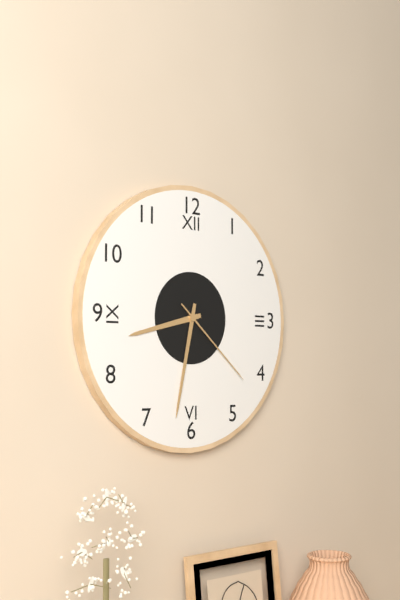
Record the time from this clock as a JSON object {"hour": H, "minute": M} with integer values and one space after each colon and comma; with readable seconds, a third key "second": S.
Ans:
{"hour": 8, "minute": 32, "second": 22}
